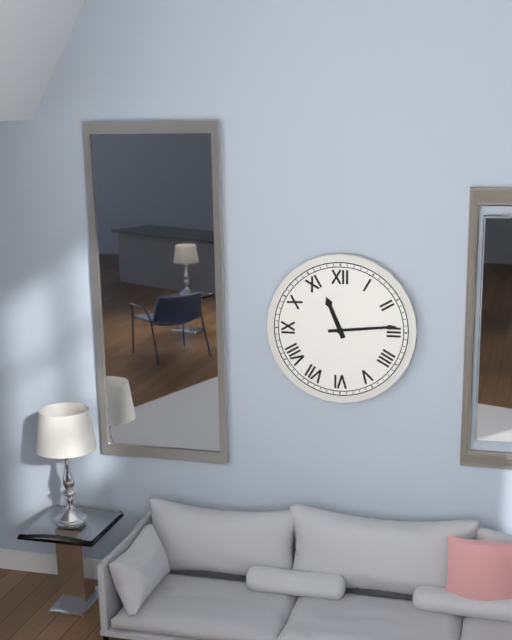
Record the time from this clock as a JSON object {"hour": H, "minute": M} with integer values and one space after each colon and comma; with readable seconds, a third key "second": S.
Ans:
{"hour": 11, "minute": 14}
